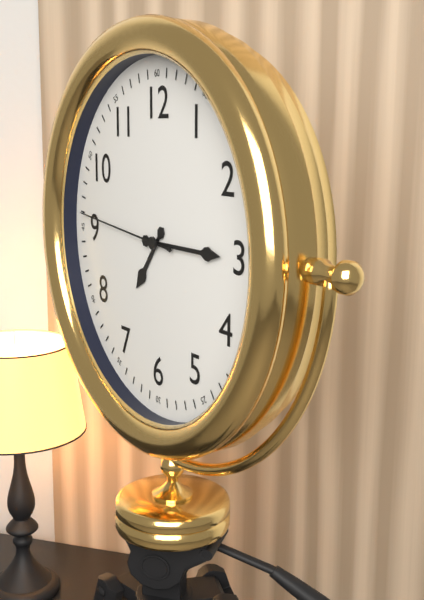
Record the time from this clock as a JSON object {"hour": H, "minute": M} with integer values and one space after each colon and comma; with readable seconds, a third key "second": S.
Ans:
{"hour": 7, "minute": 15, "second": 46}
